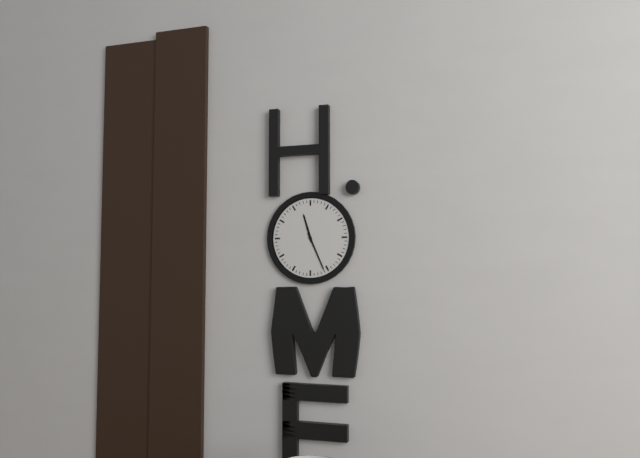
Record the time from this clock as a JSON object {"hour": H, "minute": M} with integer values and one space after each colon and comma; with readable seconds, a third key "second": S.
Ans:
{"hour": 11, "minute": 26}
